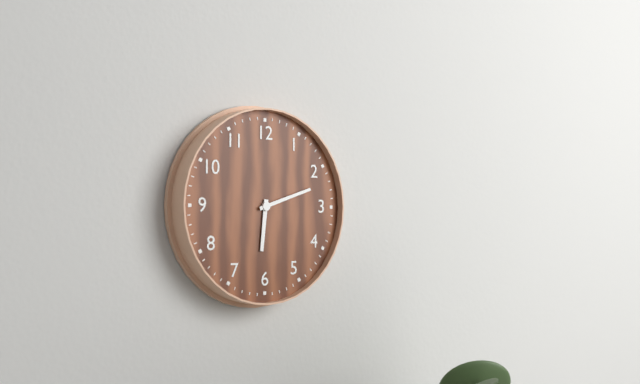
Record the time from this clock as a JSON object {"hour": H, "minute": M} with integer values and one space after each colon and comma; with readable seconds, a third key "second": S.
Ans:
{"hour": 6, "minute": 12}
